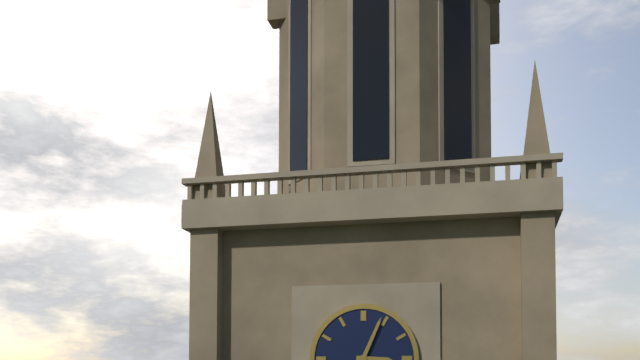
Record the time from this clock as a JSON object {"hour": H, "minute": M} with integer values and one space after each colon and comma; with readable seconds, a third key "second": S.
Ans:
{"hour": 3, "minute": 4}
